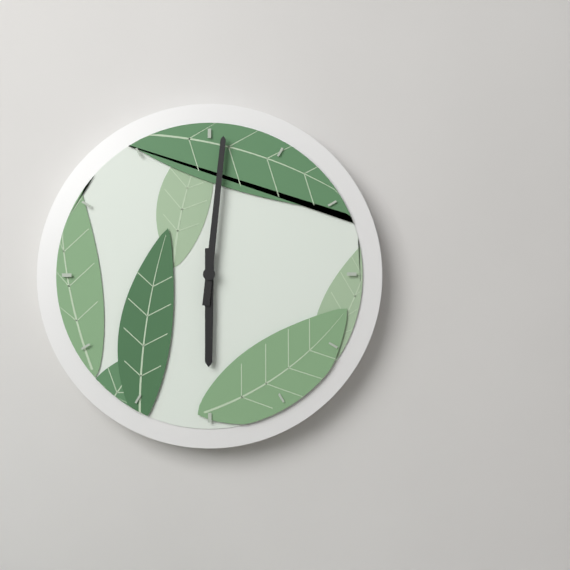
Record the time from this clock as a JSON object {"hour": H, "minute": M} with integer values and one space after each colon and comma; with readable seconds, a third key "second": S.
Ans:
{"hour": 6, "minute": 1}
